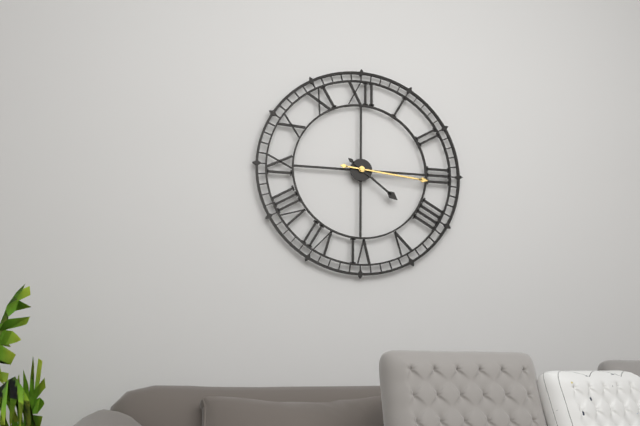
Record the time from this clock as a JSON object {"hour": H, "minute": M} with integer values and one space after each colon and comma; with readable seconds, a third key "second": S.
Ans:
{"hour": 4, "minute": 16}
